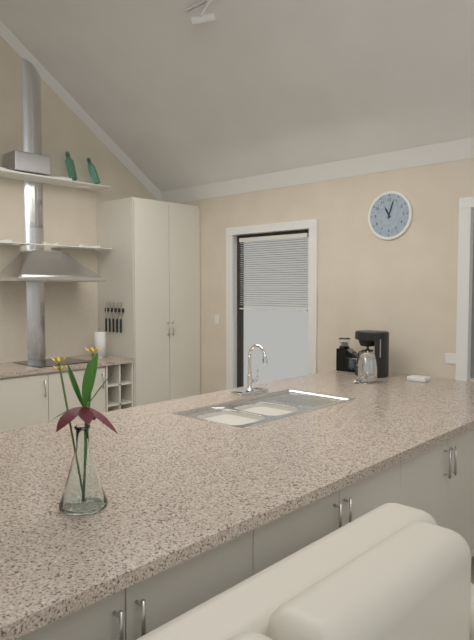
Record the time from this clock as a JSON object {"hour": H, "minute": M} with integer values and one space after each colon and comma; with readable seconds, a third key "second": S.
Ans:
{"hour": 11, "minute": 3}
